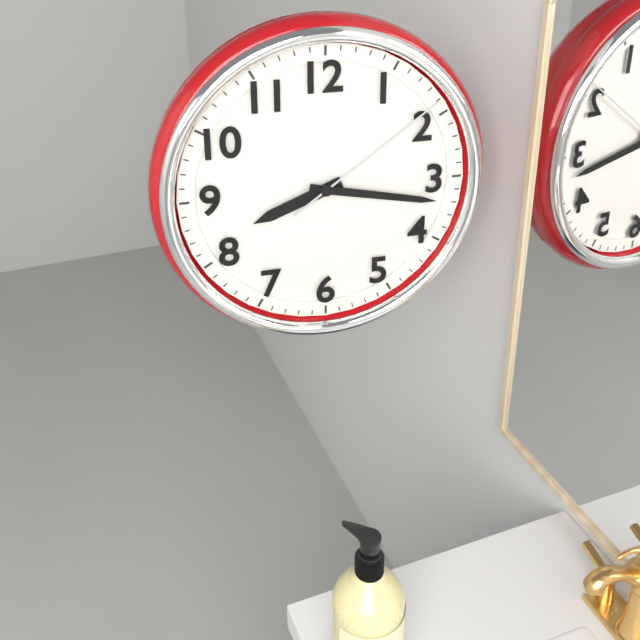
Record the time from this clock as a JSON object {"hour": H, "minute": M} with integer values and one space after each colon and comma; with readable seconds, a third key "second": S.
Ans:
{"hour": 8, "minute": 17, "second": 9}
